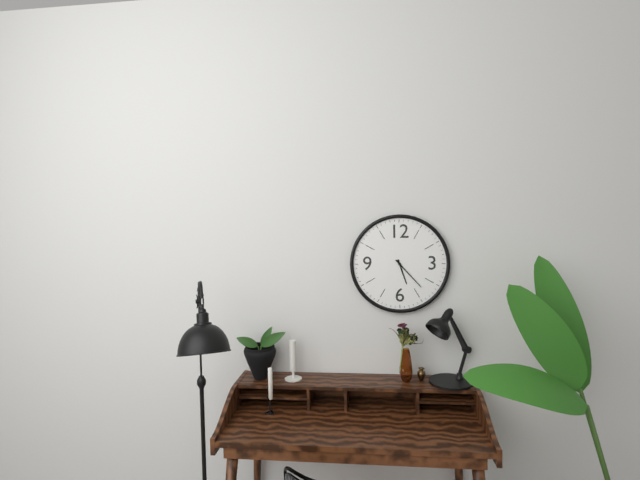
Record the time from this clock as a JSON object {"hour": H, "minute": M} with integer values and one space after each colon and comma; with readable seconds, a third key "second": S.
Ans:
{"hour": 5, "minute": 23}
